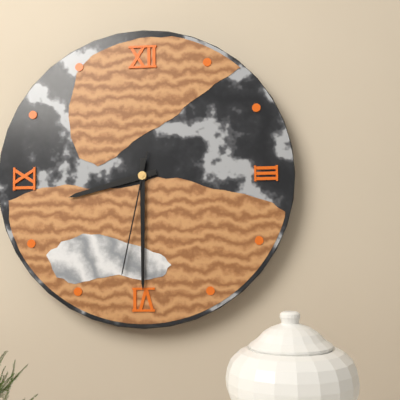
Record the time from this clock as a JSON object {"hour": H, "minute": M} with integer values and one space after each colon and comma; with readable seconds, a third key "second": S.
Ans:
{"hour": 8, "minute": 30, "second": 32}
